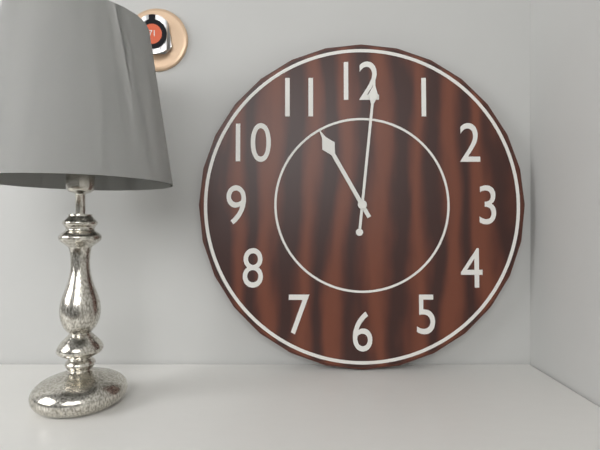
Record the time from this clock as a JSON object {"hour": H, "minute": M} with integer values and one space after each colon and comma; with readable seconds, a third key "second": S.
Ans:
{"hour": 11, "minute": 1}
